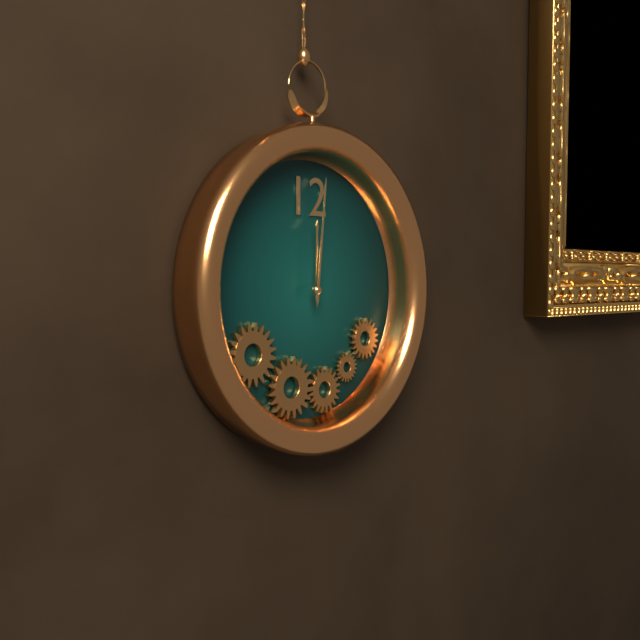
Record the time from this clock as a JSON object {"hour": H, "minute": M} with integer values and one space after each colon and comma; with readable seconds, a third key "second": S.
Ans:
{"hour": 12, "minute": 1}
